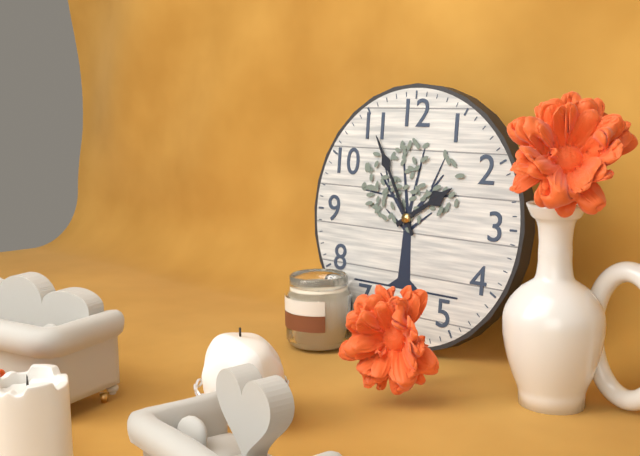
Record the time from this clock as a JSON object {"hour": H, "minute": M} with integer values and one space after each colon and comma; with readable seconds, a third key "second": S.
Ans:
{"hour": 1, "minute": 55}
